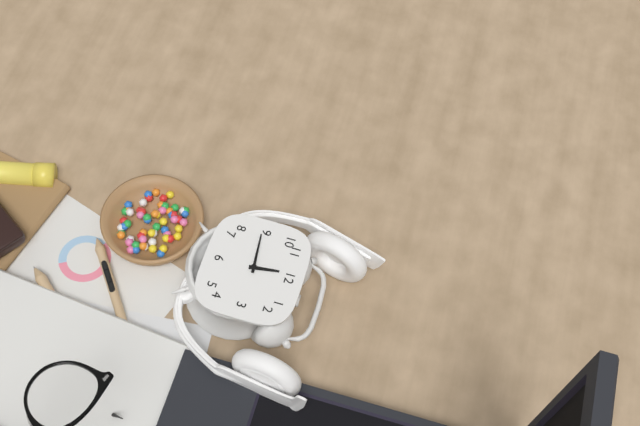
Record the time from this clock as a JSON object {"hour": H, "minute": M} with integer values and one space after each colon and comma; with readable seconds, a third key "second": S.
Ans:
{"hour": 11, "minute": 44}
